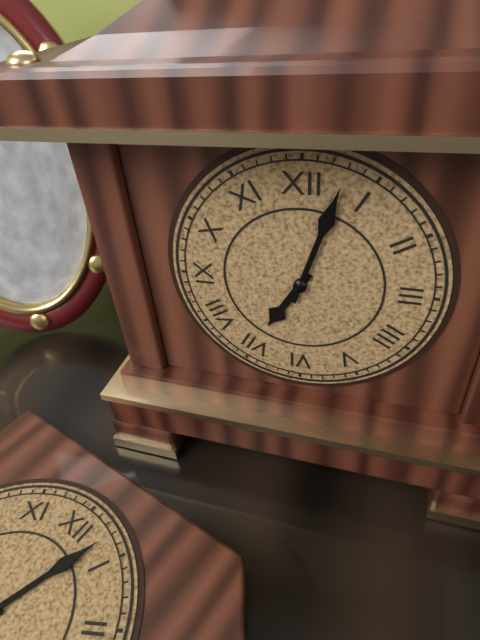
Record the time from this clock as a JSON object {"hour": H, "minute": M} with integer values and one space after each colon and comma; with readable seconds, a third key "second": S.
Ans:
{"hour": 7, "minute": 3}
